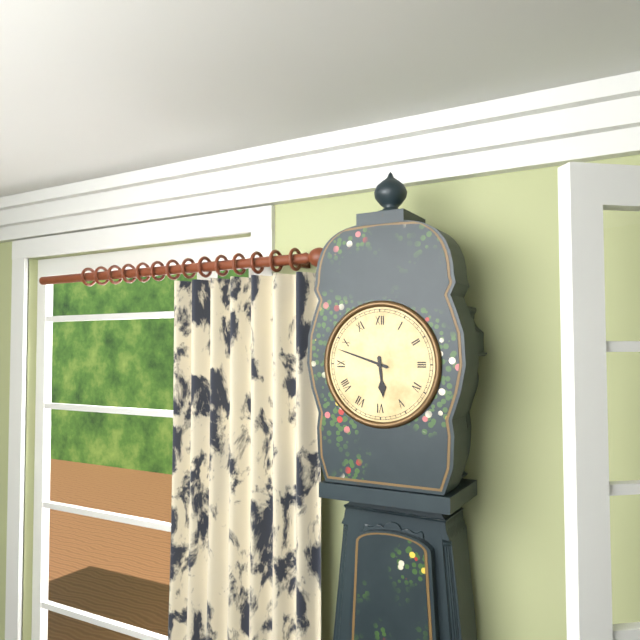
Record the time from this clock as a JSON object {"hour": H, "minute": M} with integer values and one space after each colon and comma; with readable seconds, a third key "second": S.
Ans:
{"hour": 5, "minute": 48}
